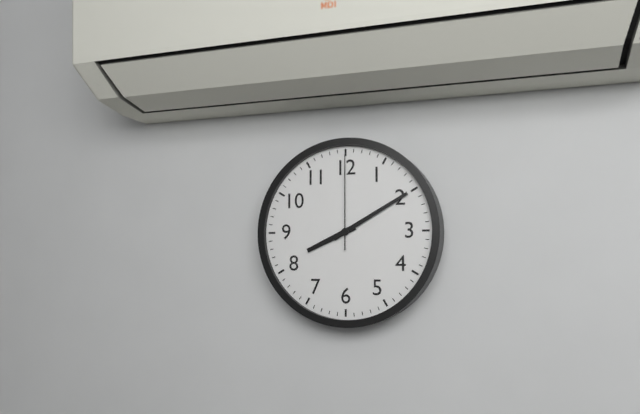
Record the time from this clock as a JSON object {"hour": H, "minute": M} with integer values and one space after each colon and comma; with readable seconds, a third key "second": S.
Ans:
{"hour": 8, "minute": 10, "second": 0}
